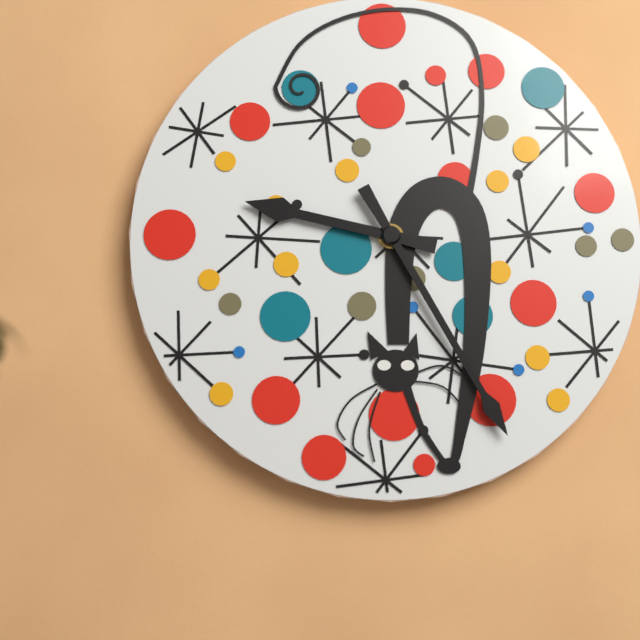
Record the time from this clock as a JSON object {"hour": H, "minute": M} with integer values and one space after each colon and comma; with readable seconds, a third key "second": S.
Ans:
{"hour": 9, "minute": 25}
